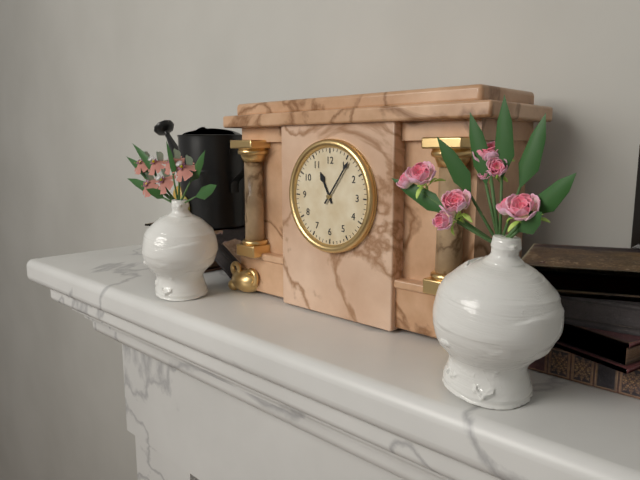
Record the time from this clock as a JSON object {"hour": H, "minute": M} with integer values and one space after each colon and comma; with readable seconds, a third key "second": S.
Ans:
{"hour": 11, "minute": 6}
